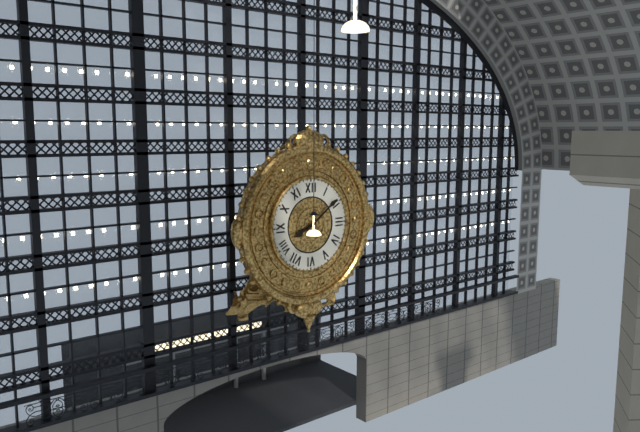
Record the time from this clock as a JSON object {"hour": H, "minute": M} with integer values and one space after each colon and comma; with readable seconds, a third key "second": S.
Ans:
{"hour": 8, "minute": 9}
